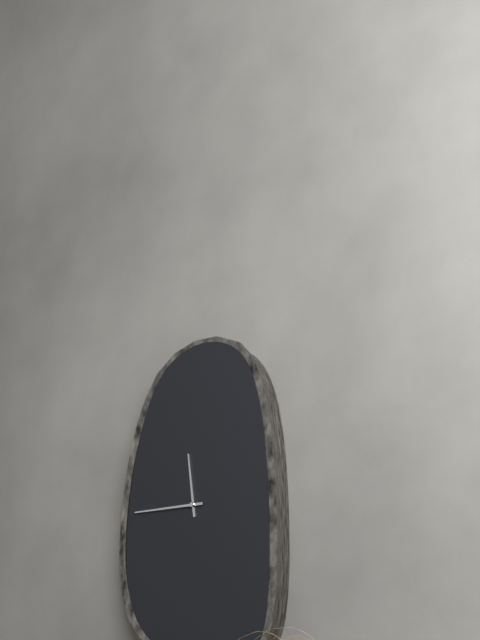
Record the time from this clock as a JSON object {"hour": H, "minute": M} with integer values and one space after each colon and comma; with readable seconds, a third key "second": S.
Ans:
{"hour": 11, "minute": 45}
